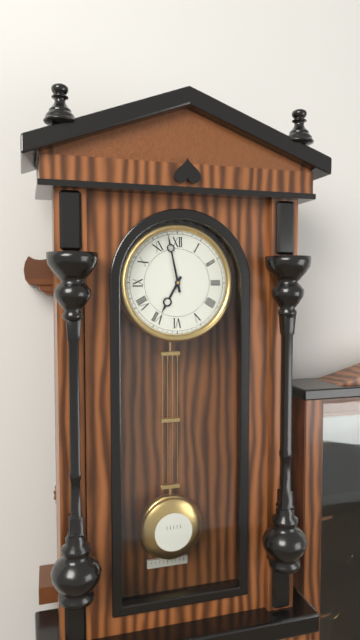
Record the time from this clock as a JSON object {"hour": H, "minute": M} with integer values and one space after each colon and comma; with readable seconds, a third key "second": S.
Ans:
{"hour": 6, "minute": 58}
